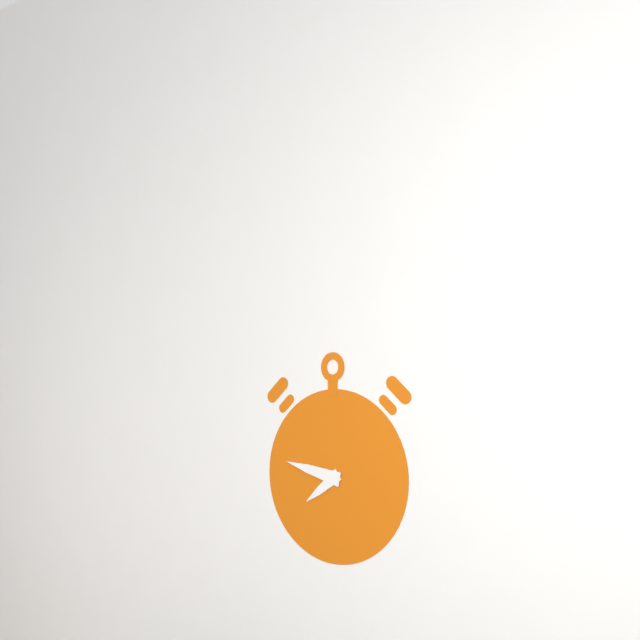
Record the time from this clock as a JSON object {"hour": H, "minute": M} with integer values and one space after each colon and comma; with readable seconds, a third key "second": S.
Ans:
{"hour": 7, "minute": 47}
